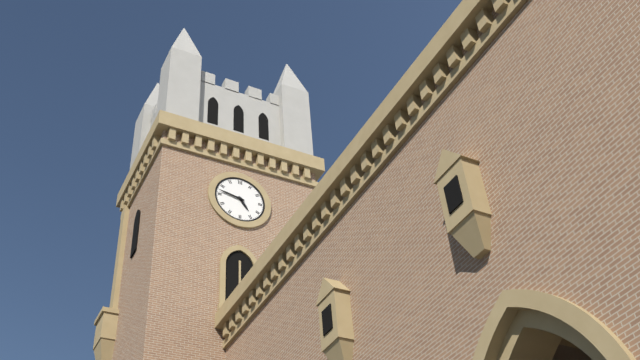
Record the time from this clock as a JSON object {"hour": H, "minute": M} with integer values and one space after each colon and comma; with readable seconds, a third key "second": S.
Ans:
{"hour": 4, "minute": 47}
